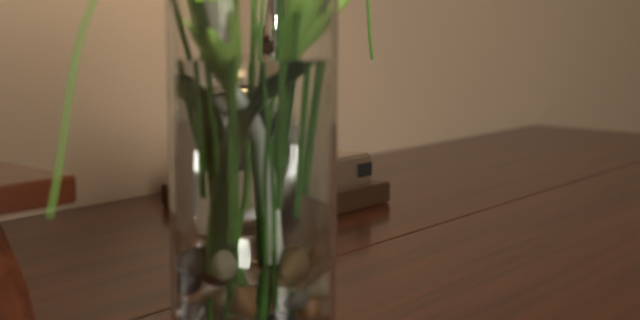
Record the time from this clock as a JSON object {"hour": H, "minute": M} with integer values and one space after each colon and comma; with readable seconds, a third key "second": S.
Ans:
{"hour": 12, "minute": 9}
